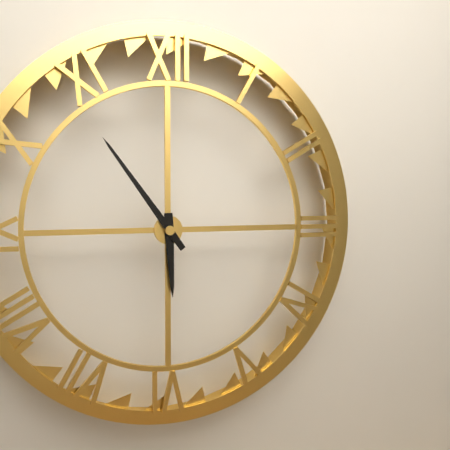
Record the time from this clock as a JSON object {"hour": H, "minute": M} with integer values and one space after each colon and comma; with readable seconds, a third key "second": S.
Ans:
{"hour": 5, "minute": 54}
